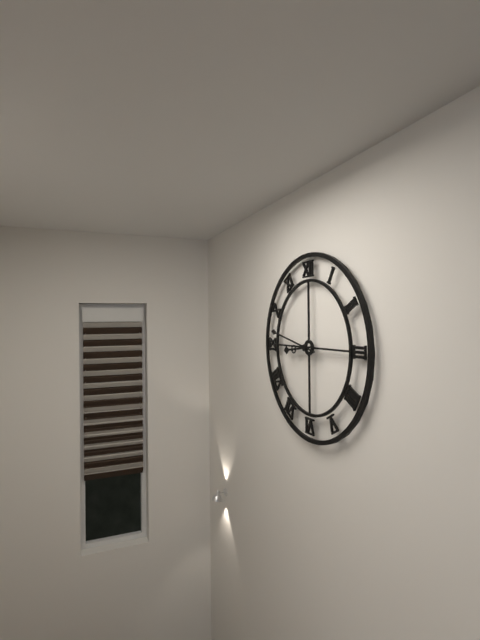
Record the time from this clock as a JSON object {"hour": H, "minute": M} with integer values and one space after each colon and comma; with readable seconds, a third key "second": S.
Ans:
{"hour": 8, "minute": 47}
